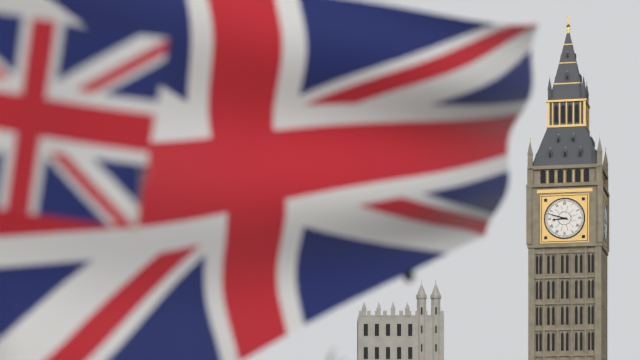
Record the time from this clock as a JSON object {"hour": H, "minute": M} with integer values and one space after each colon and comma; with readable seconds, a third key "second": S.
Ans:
{"hour": 8, "minute": 48}
